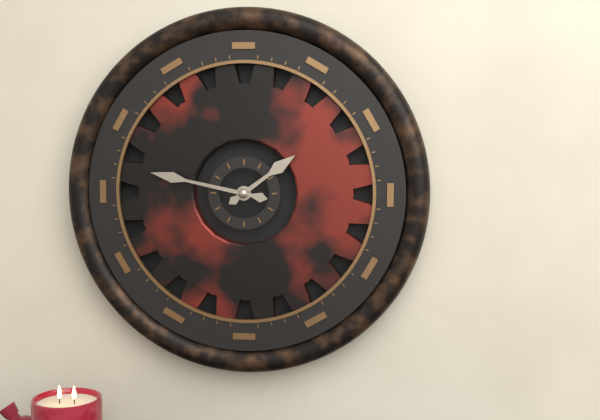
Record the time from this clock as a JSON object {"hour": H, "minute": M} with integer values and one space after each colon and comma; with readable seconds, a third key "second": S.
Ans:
{"hour": 1, "minute": 47}
